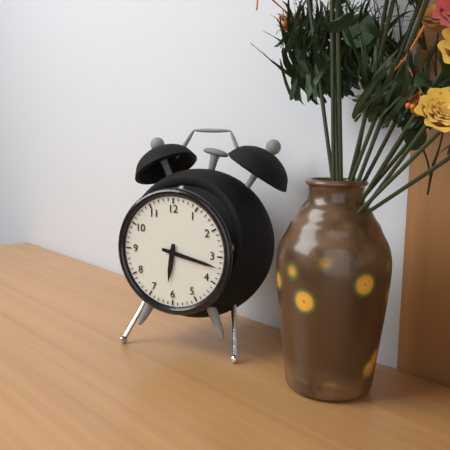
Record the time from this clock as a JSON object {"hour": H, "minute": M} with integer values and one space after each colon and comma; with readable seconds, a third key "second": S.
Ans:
{"hour": 6, "minute": 17}
